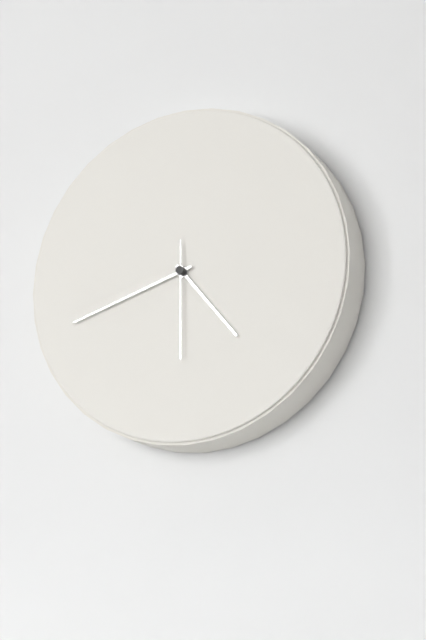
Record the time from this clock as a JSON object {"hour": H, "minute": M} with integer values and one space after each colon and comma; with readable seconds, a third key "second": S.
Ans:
{"hour": 4, "minute": 42, "second": 30}
